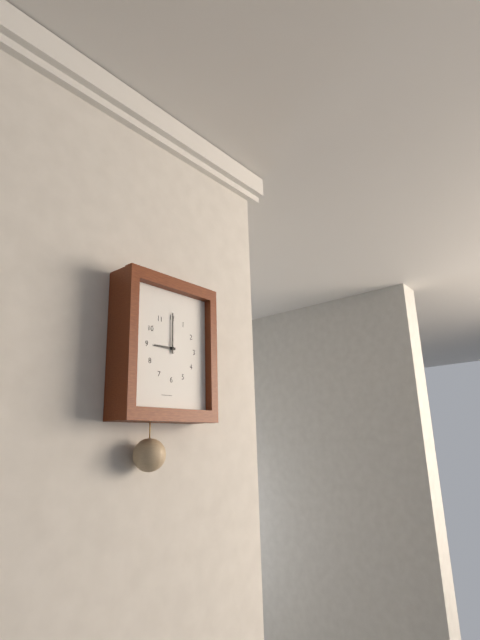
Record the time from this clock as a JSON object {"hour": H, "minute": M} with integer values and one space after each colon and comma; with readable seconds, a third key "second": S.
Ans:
{"hour": 9, "minute": 0}
